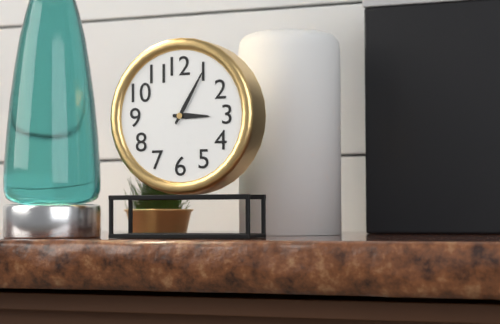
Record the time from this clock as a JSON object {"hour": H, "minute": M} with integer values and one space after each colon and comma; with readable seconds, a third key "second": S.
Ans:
{"hour": 3, "minute": 5}
